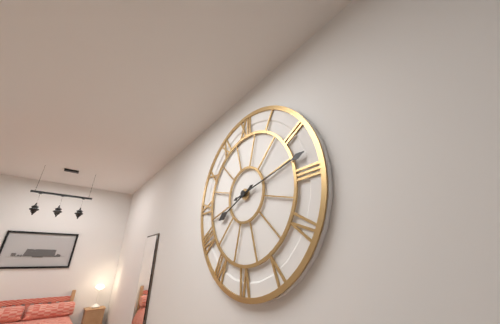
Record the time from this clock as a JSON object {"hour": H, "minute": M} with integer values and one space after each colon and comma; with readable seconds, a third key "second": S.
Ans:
{"hour": 8, "minute": 13}
